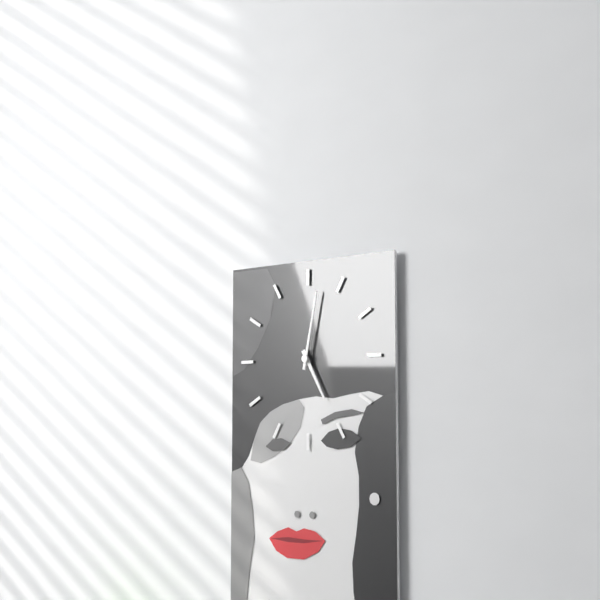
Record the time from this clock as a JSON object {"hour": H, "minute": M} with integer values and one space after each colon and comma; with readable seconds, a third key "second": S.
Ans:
{"hour": 5, "minute": 2}
